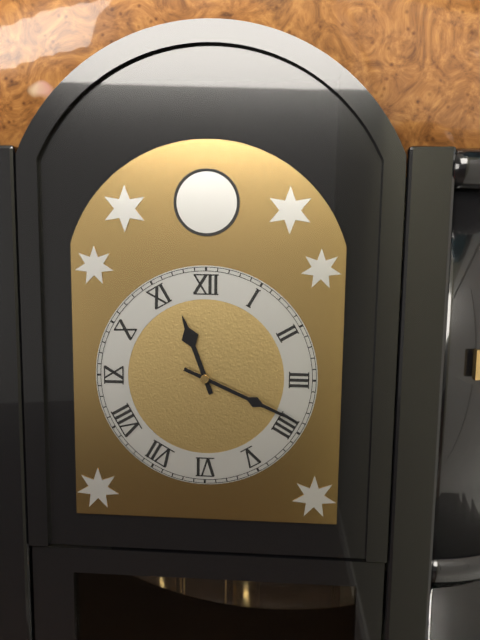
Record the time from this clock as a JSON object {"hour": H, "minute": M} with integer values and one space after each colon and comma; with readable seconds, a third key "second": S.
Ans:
{"hour": 11, "minute": 19}
